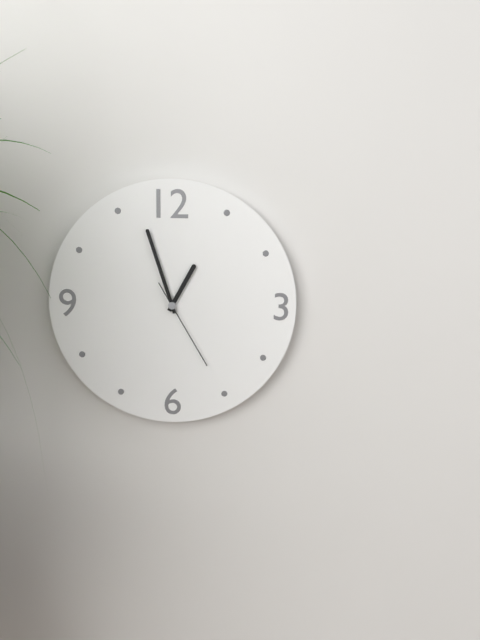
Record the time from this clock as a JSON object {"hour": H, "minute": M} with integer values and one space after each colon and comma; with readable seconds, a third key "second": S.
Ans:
{"hour": 12, "minute": 57, "second": 25}
